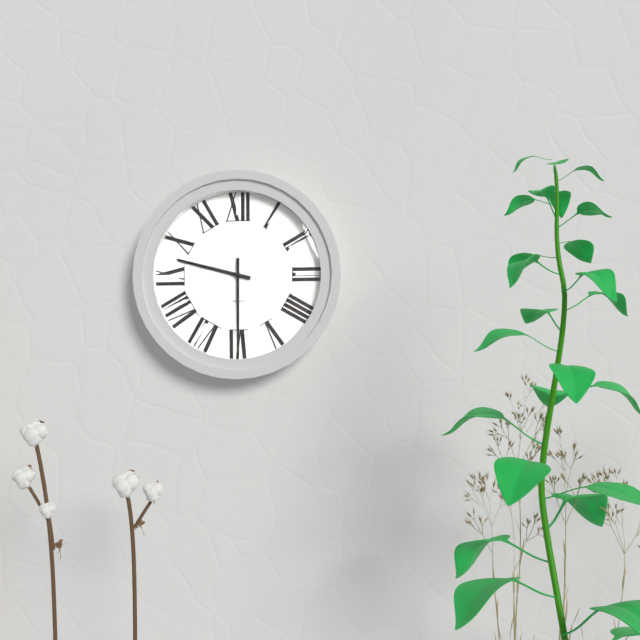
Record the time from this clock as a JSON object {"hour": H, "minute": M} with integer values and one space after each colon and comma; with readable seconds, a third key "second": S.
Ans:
{"hour": 9, "minute": 30}
